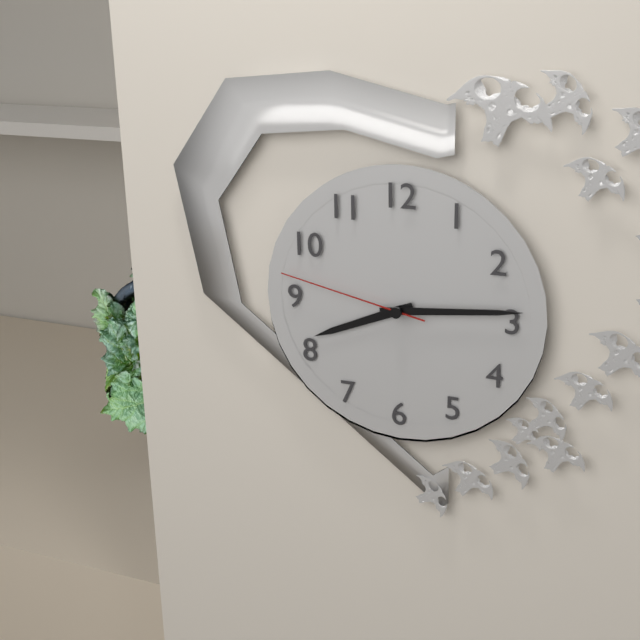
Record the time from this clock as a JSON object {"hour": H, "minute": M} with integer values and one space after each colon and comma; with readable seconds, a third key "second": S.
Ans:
{"hour": 8, "minute": 14, "second": 47}
